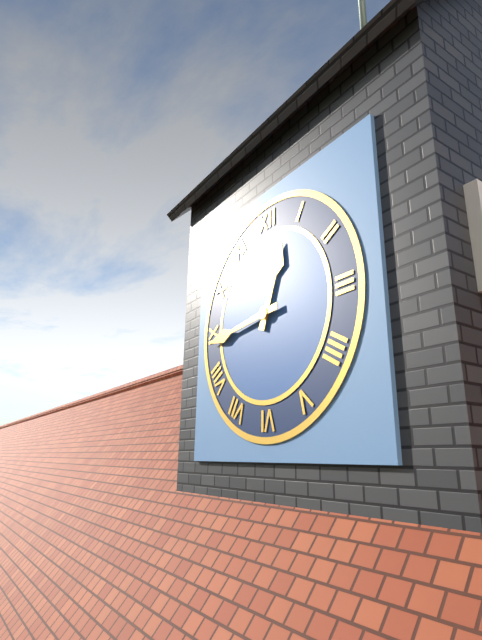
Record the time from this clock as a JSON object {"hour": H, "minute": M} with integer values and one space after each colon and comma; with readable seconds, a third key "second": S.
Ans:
{"hour": 12, "minute": 44}
